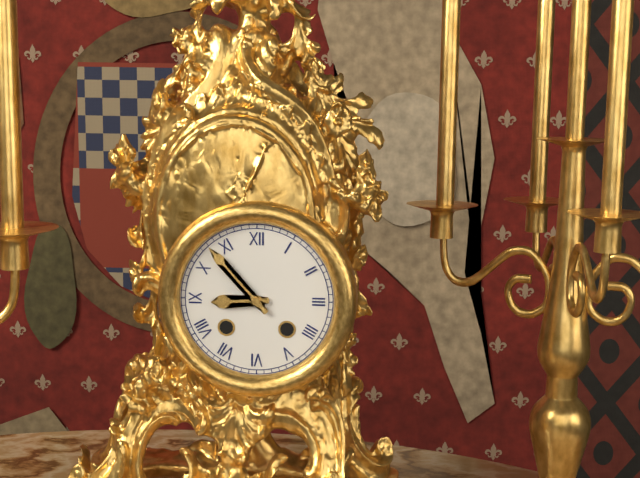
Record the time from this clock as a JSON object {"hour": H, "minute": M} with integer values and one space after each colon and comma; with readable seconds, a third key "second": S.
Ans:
{"hour": 8, "minute": 53}
